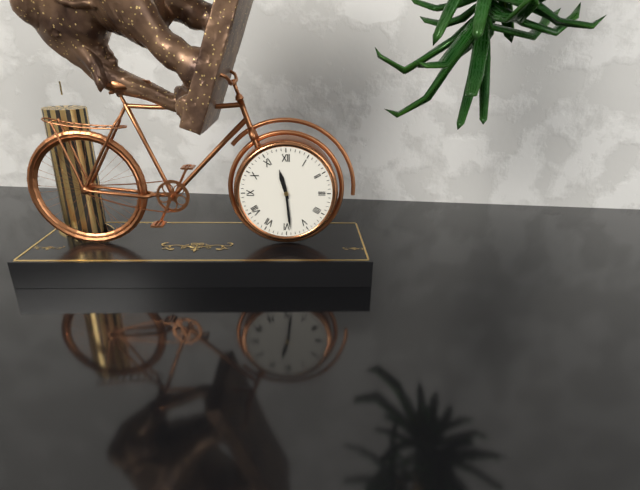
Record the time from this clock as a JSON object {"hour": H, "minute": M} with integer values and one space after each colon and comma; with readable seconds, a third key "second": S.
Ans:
{"hour": 11, "minute": 29}
